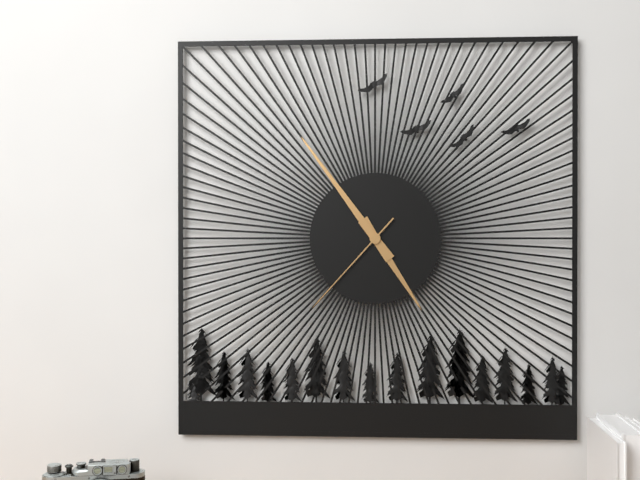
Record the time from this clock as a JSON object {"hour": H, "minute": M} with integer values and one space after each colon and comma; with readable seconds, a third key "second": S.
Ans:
{"hour": 4, "minute": 54, "second": 37}
